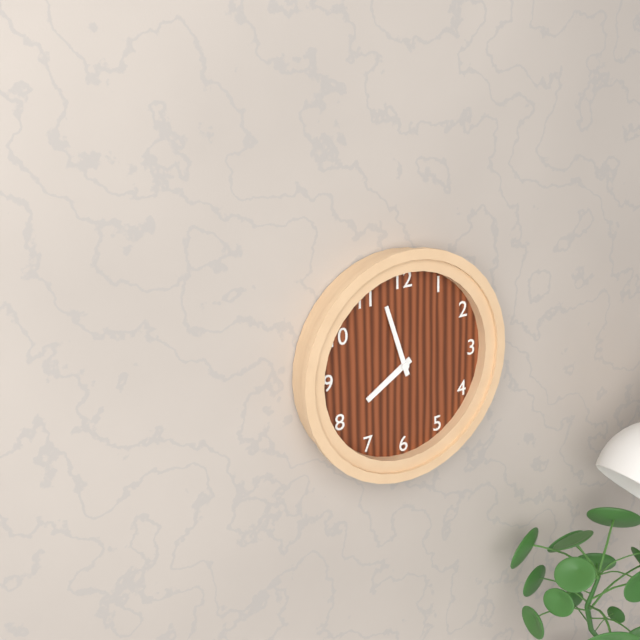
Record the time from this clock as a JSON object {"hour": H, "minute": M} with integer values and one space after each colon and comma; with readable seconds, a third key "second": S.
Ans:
{"hour": 7, "minute": 57}
